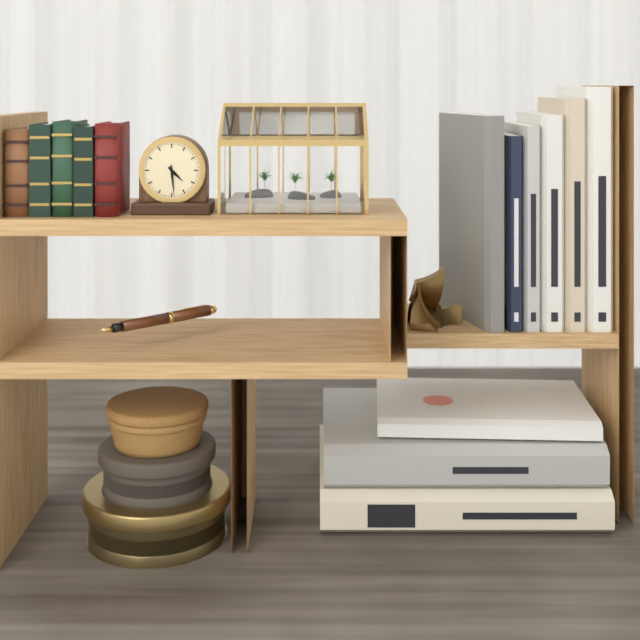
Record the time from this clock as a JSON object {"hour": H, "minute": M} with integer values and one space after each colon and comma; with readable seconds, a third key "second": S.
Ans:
{"hour": 4, "minute": 29}
